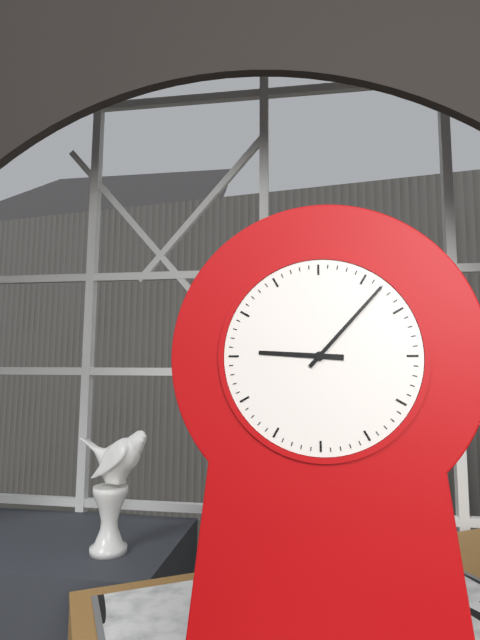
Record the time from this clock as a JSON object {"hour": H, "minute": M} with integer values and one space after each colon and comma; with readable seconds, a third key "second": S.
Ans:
{"hour": 9, "minute": 7}
